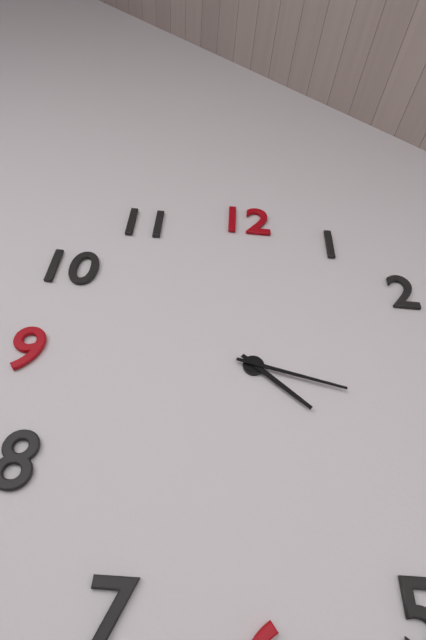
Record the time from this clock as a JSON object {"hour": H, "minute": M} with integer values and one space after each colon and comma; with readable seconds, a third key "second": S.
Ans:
{"hour": 4, "minute": 17}
